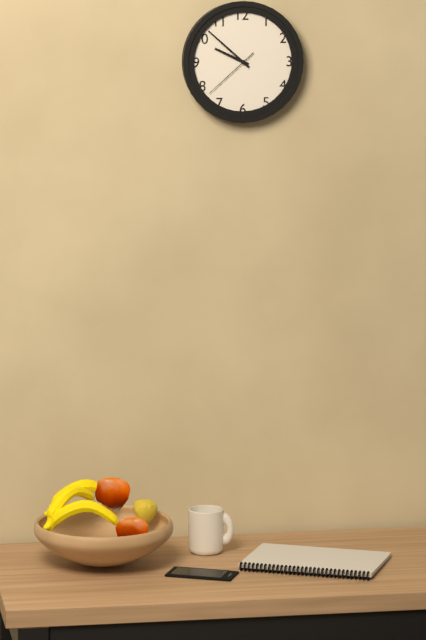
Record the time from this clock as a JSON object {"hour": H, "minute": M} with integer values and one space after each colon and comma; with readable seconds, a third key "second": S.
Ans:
{"hour": 9, "minute": 52, "second": 38}
